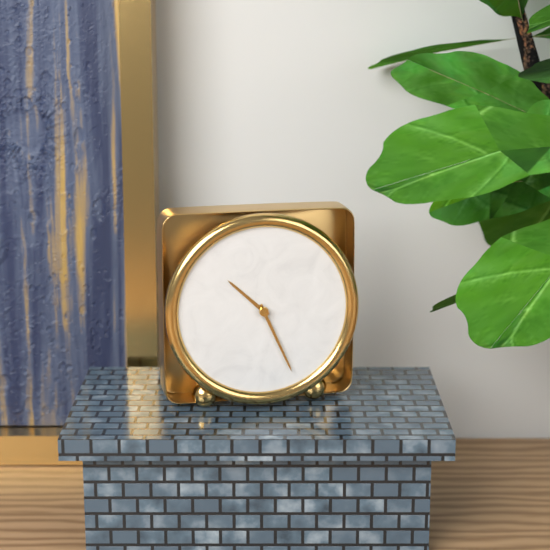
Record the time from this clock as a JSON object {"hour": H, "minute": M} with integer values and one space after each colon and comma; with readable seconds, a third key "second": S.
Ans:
{"hour": 10, "minute": 26}
